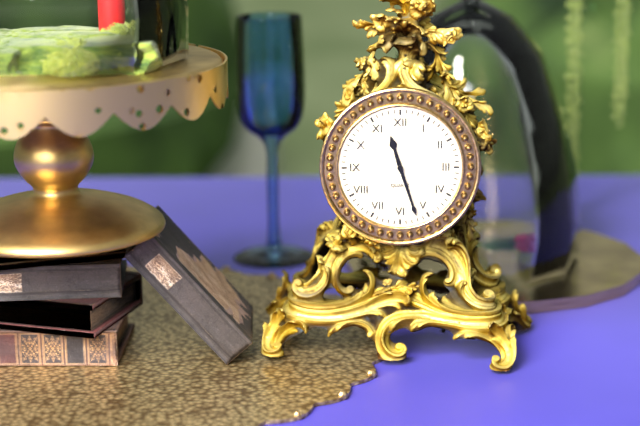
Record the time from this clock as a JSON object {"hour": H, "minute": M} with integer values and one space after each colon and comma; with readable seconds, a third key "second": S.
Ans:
{"hour": 11, "minute": 27}
